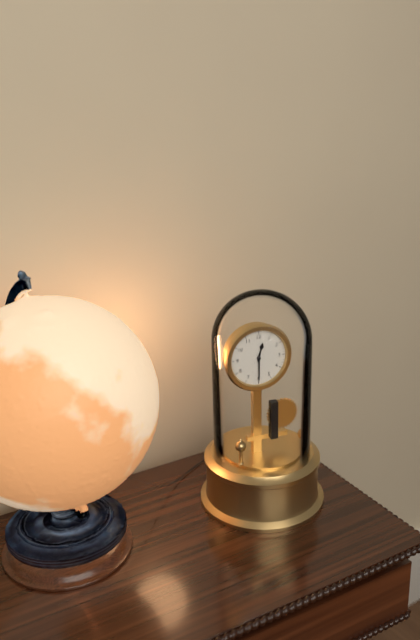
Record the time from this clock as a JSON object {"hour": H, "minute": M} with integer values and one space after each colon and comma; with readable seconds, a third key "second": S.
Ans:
{"hour": 12, "minute": 30}
